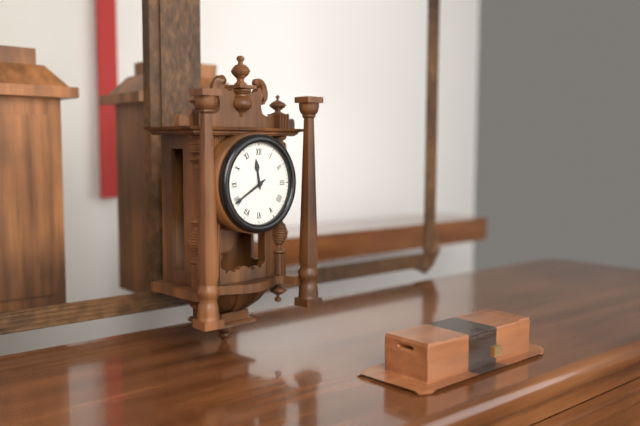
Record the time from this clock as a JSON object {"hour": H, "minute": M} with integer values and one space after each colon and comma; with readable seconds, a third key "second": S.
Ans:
{"hour": 11, "minute": 40}
